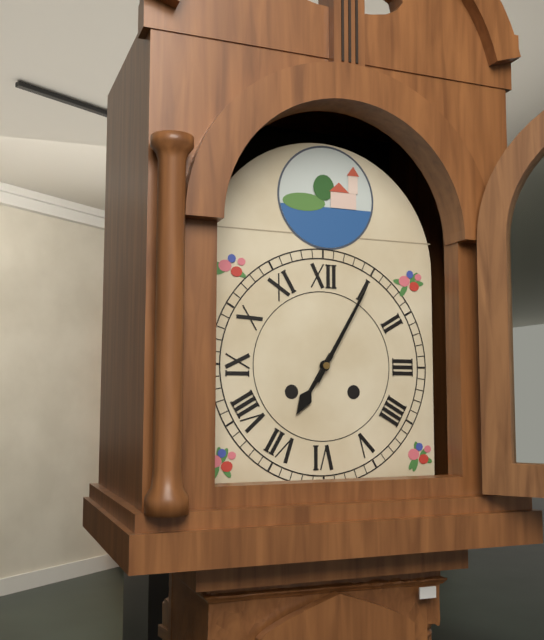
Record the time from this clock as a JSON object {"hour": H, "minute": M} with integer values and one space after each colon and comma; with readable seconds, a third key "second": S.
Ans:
{"hour": 7, "minute": 5}
